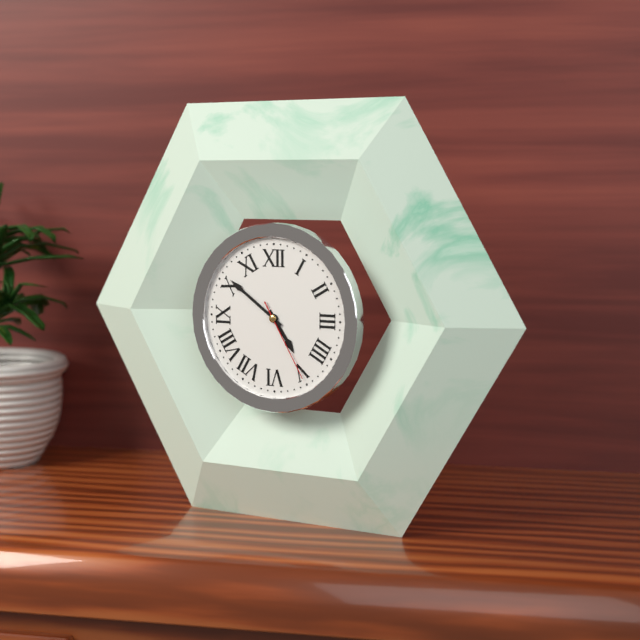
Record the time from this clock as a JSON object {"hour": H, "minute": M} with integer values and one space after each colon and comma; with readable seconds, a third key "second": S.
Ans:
{"hour": 4, "minute": 51, "second": 25}
